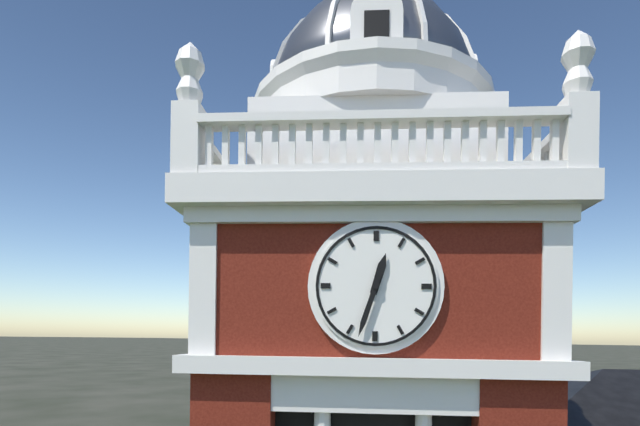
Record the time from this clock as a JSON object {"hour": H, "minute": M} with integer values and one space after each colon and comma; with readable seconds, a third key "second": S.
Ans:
{"hour": 12, "minute": 33}
